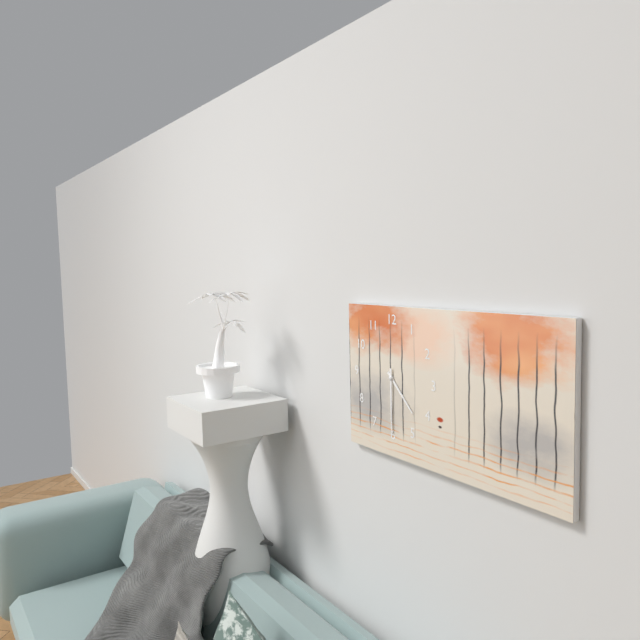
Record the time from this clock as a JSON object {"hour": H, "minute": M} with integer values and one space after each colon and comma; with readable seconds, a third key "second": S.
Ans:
{"hour": 4, "minute": 30}
